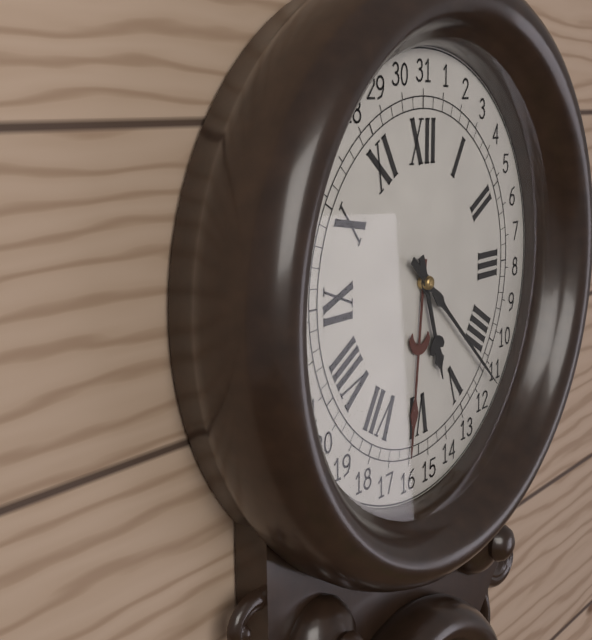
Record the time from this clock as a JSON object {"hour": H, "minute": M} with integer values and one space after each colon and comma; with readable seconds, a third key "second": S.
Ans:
{"hour": 5, "minute": 22}
